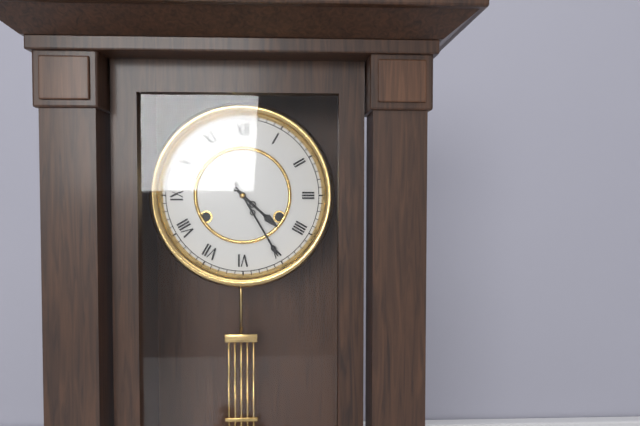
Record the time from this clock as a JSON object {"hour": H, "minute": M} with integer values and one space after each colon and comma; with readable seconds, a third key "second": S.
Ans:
{"hour": 4, "minute": 25}
